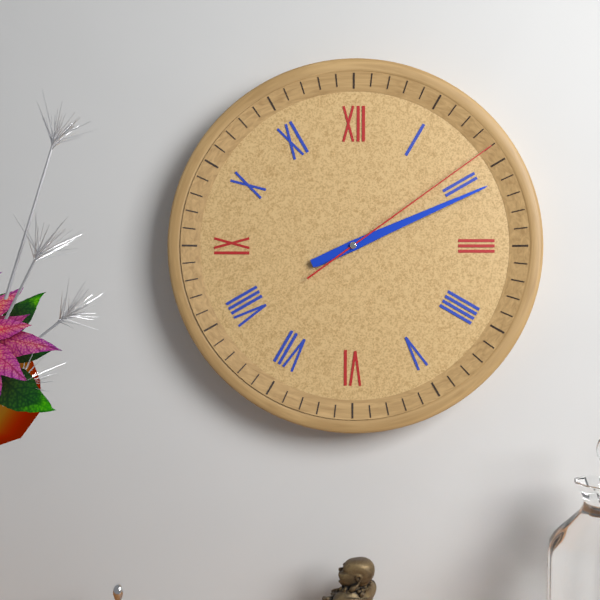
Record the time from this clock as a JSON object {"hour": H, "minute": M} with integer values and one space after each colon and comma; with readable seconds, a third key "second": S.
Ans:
{"hour": 2, "minute": 11, "second": 9}
